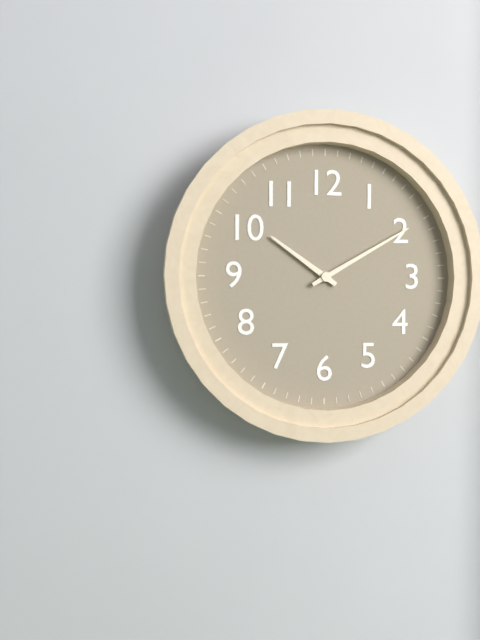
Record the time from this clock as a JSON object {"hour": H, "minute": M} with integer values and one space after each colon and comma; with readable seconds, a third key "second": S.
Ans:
{"hour": 10, "minute": 10}
